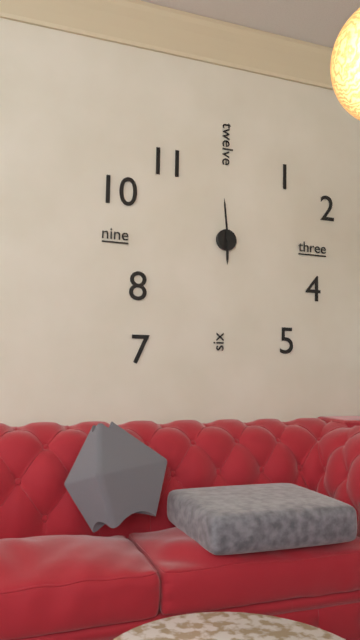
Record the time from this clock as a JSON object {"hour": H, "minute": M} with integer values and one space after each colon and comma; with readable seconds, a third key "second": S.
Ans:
{"hour": 5, "minute": 59}
